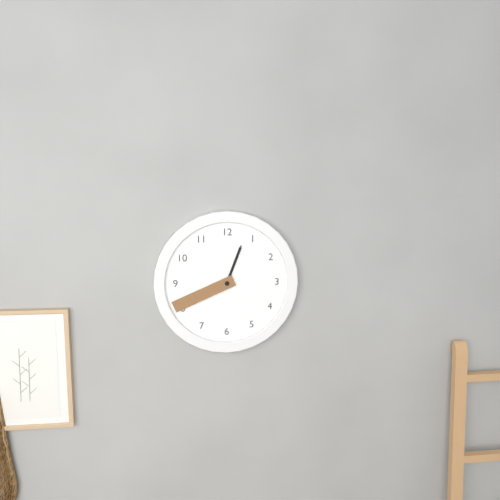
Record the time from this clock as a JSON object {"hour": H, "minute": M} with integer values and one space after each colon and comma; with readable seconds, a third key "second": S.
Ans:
{"hour": 12, "minute": 41}
